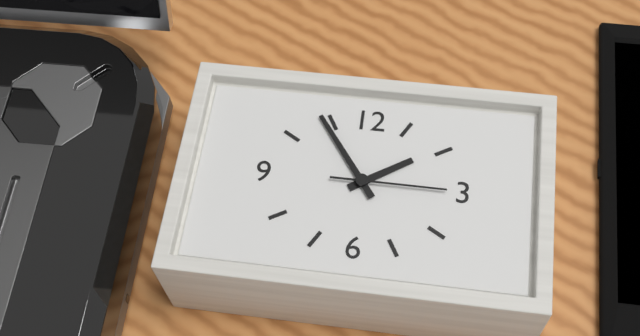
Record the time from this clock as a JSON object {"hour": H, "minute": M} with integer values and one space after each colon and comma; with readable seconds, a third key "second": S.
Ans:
{"hour": 1, "minute": 54, "second": 15}
